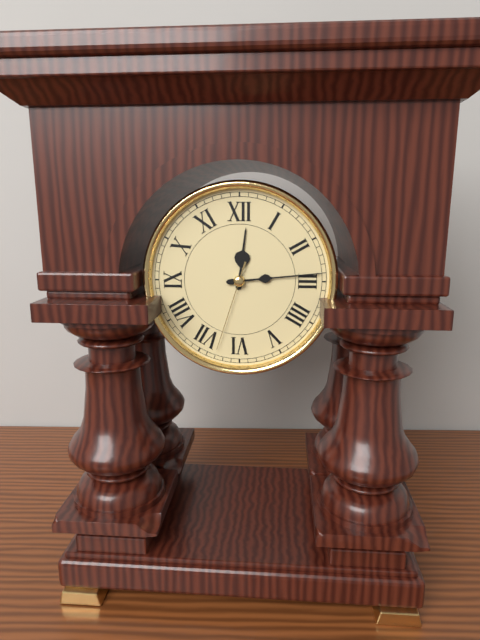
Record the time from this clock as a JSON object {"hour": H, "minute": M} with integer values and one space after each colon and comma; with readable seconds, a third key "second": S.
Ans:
{"hour": 12, "minute": 14, "second": 33}
